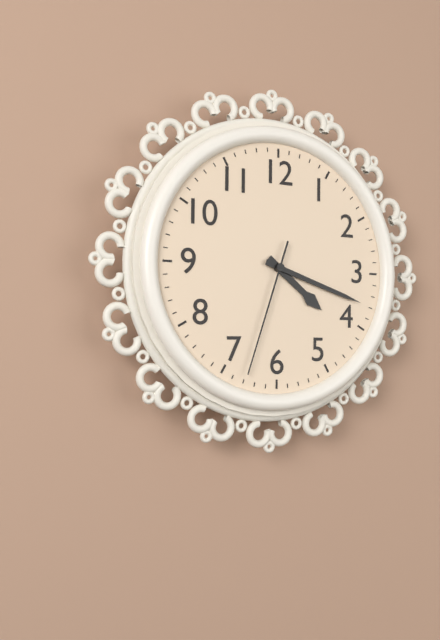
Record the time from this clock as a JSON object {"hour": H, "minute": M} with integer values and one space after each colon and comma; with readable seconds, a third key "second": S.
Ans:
{"hour": 4, "minute": 18, "second": 33}
